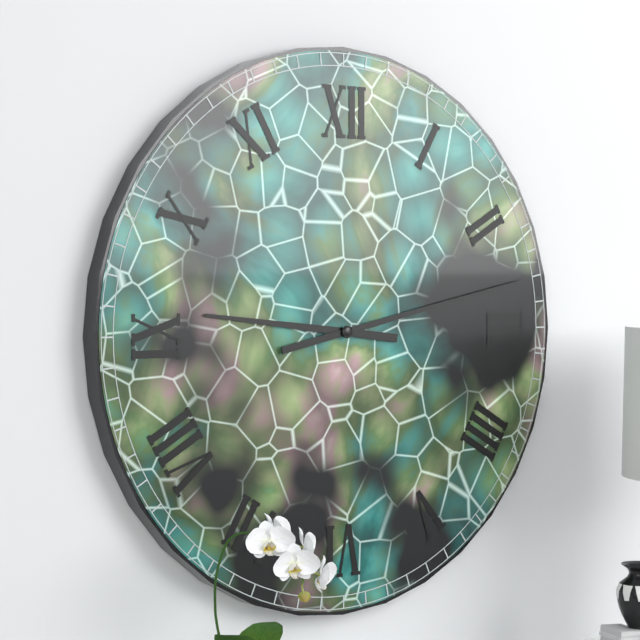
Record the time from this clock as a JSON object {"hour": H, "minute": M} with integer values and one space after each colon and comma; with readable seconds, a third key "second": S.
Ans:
{"hour": 9, "minute": 13}
